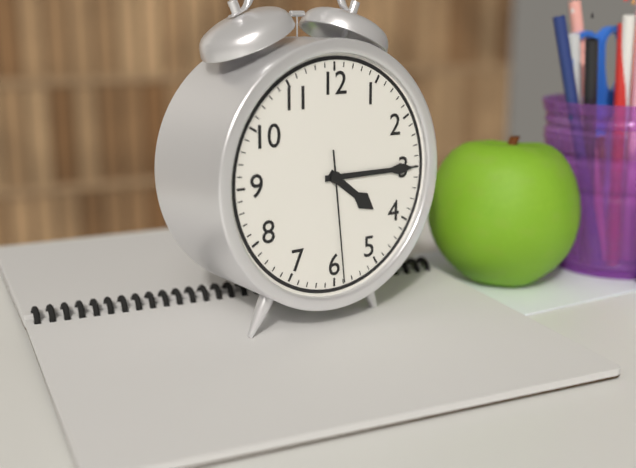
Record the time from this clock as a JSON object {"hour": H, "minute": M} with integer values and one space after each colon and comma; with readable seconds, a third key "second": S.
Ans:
{"hour": 4, "minute": 15, "second": 29}
